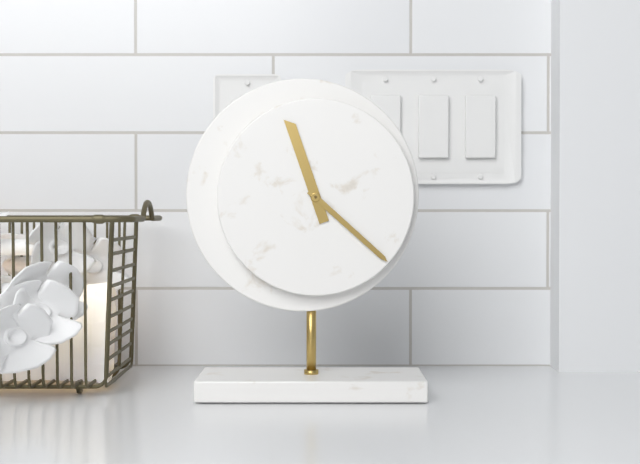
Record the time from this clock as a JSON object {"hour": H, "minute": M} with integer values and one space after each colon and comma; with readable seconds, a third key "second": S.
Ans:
{"hour": 11, "minute": 22}
